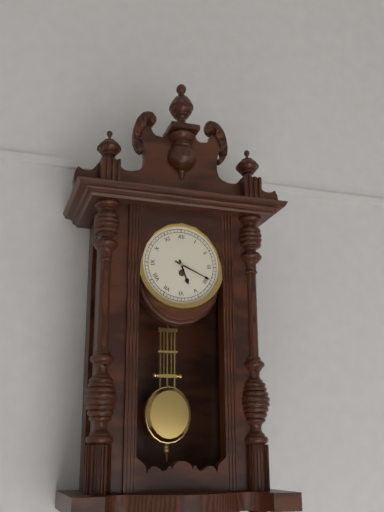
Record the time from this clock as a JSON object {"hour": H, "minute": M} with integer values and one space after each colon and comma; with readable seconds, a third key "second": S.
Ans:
{"hour": 5, "minute": 19}
